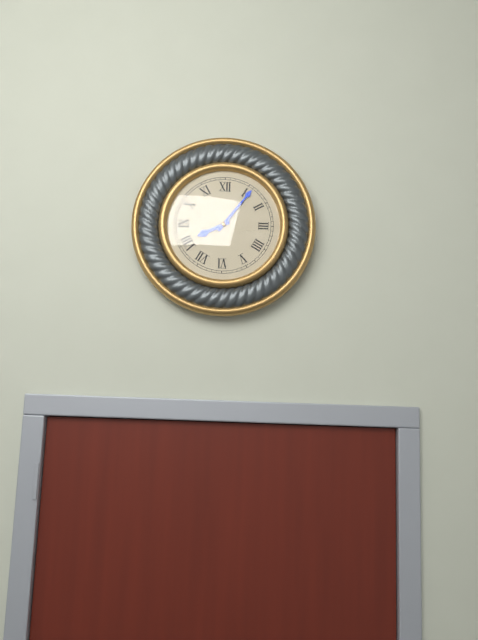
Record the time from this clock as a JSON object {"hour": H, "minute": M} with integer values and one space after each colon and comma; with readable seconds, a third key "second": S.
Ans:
{"hour": 8, "minute": 6}
